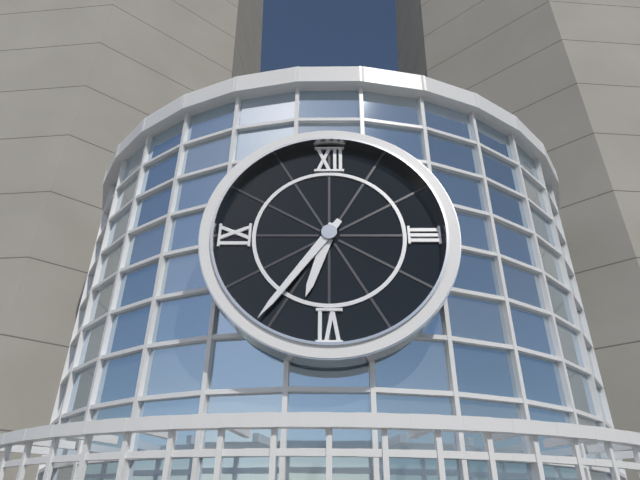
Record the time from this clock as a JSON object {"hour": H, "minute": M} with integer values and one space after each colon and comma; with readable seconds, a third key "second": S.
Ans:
{"hour": 6, "minute": 36}
